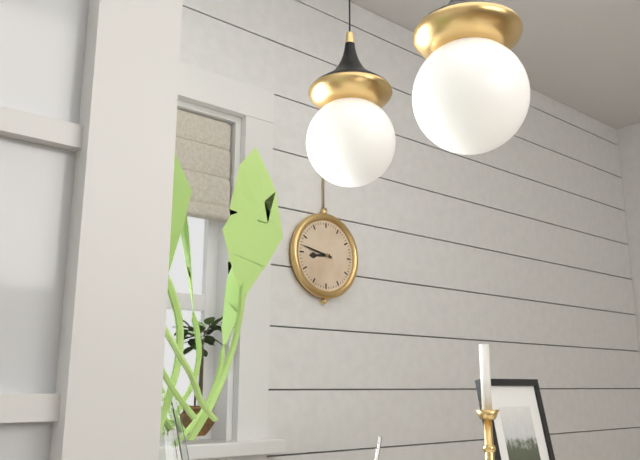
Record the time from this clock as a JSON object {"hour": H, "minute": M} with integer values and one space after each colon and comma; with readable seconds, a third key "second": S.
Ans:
{"hour": 8, "minute": 47}
